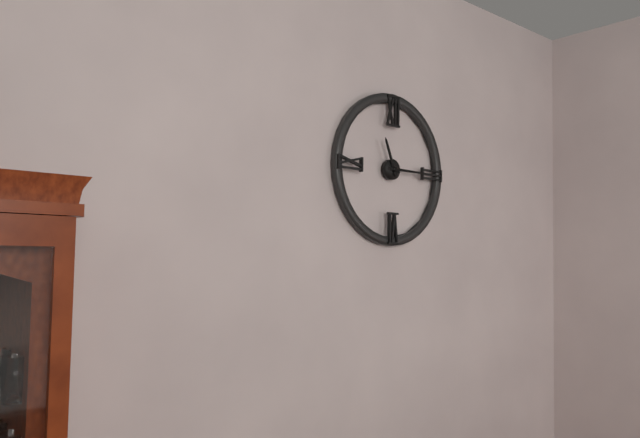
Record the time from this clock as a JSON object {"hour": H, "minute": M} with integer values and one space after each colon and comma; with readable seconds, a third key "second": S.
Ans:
{"hour": 11, "minute": 15}
